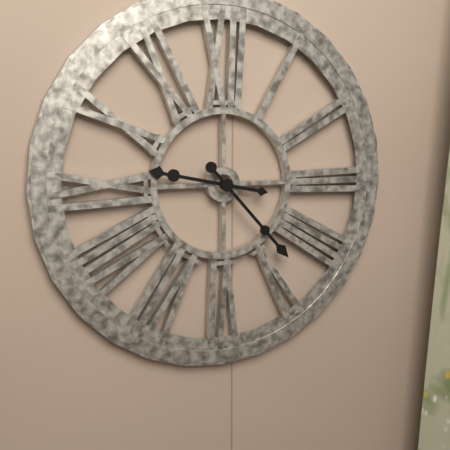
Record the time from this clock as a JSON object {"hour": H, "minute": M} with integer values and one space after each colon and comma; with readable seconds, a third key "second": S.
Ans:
{"hour": 9, "minute": 23}
